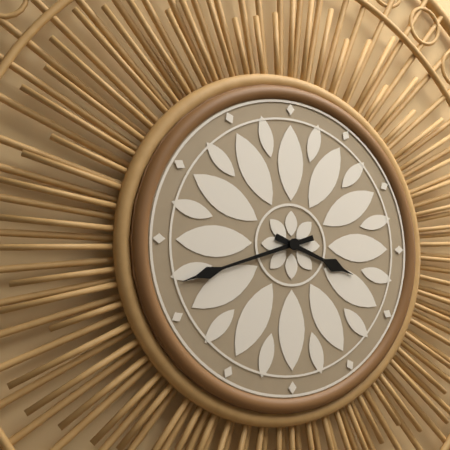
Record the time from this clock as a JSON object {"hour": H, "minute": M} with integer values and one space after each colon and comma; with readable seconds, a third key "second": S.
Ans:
{"hour": 3, "minute": 42}
